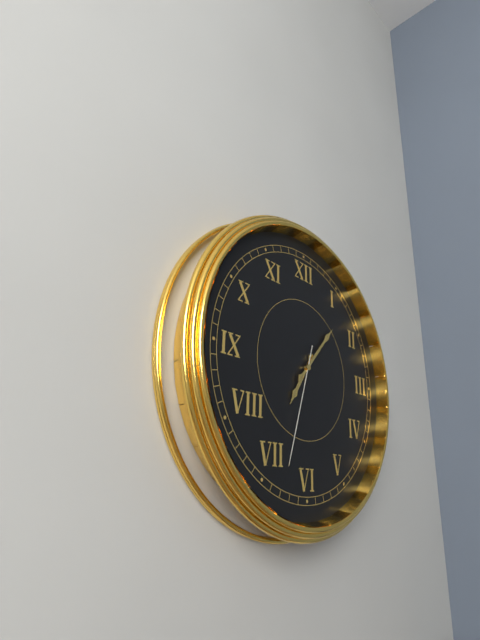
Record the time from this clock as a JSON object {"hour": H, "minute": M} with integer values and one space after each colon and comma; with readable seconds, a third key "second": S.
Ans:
{"hour": 7, "minute": 7, "second": 33}
